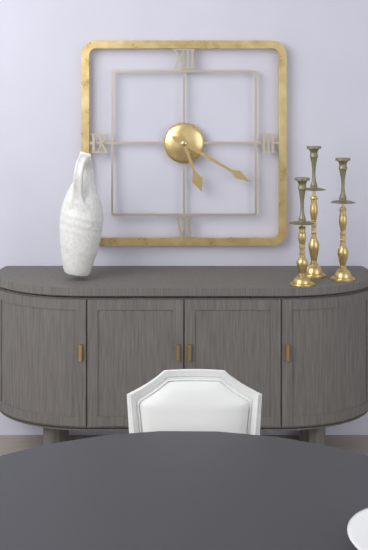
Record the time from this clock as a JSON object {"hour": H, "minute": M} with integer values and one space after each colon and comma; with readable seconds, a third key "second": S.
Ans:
{"hour": 5, "minute": 20}
